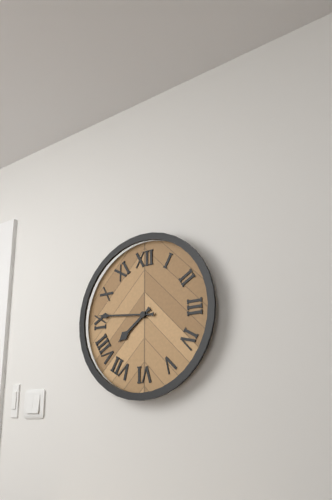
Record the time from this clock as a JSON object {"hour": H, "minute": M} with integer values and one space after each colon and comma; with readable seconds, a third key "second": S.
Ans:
{"hour": 7, "minute": 46}
